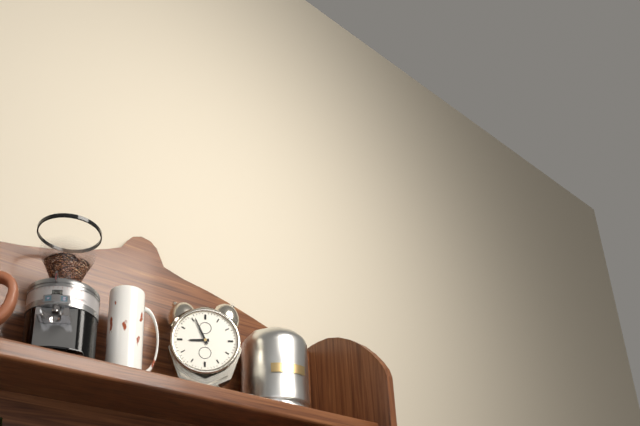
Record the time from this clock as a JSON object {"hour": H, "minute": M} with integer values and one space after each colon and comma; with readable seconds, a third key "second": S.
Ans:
{"hour": 8, "minute": 56}
